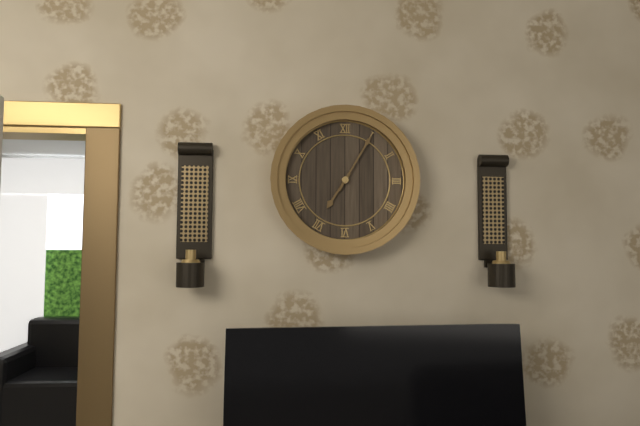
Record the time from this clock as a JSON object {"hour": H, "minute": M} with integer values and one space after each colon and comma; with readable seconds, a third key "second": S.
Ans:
{"hour": 7, "minute": 5}
